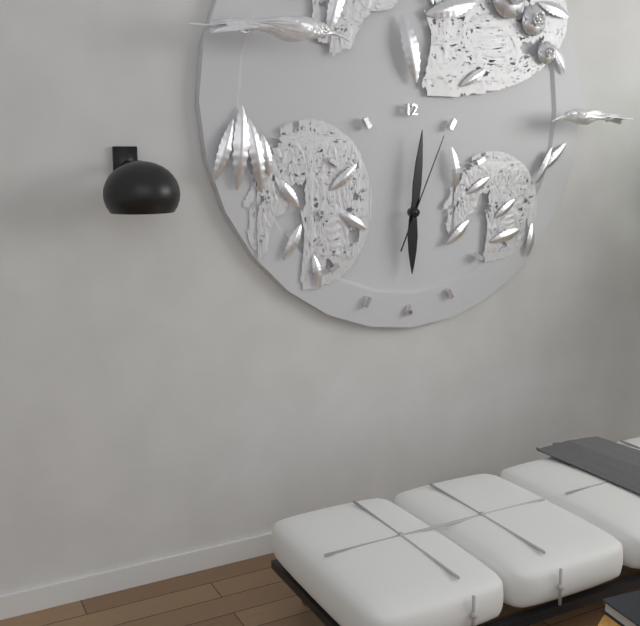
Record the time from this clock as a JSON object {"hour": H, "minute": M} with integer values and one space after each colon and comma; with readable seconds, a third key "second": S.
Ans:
{"hour": 6, "minute": 1, "second": 4}
